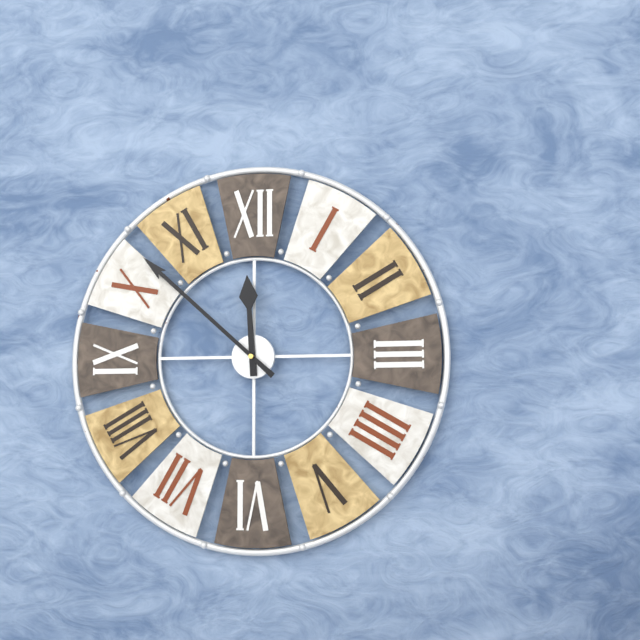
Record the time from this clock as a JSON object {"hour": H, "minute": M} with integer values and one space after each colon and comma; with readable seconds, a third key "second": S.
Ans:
{"hour": 11, "minute": 52}
